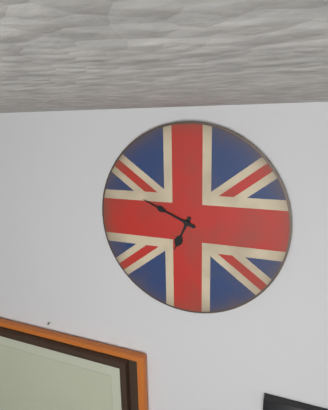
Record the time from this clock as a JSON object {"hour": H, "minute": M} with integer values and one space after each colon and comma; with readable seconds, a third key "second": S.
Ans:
{"hour": 6, "minute": 49}
